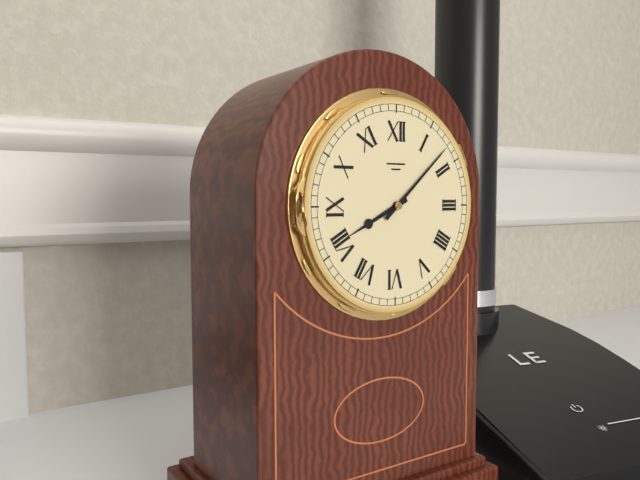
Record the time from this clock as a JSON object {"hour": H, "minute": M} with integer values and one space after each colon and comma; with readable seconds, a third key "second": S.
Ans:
{"hour": 8, "minute": 8}
